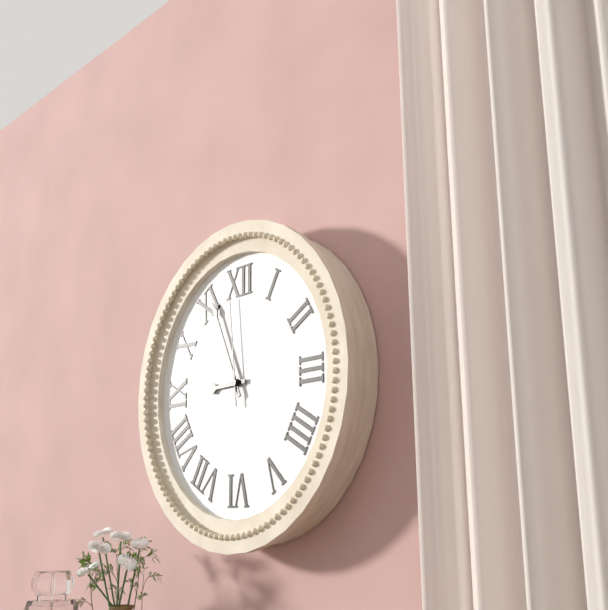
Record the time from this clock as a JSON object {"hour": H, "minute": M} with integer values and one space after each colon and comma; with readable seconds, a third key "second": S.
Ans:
{"hour": 8, "minute": 56, "second": 59}
